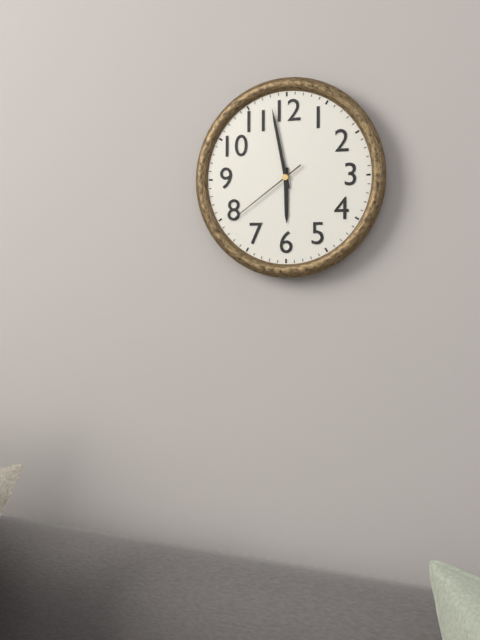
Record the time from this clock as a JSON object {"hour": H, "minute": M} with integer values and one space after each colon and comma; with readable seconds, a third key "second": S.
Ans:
{"hour": 5, "minute": 58, "second": 39}
